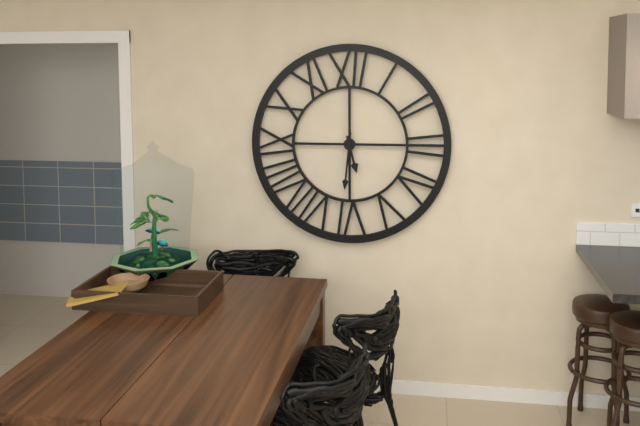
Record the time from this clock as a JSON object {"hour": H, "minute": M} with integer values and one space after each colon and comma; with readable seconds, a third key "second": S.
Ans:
{"hour": 5, "minute": 31}
